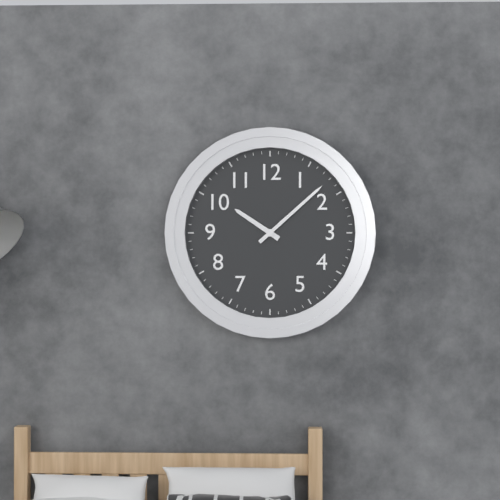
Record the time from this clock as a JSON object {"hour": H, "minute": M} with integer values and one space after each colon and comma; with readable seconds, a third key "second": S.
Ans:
{"hour": 10, "minute": 8}
